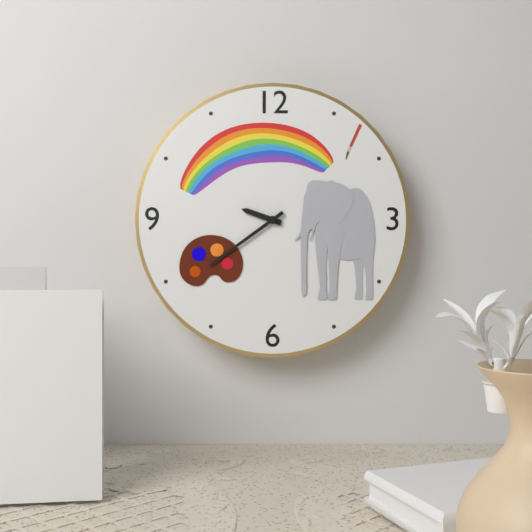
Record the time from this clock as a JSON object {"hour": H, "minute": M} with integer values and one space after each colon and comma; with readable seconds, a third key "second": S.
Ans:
{"hour": 9, "minute": 39}
